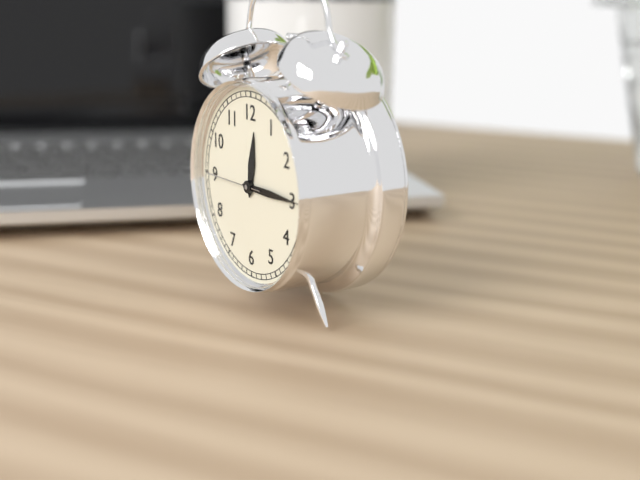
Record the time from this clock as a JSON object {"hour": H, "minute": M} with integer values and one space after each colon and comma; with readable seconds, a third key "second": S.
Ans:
{"hour": 12, "minute": 15, "second": 45}
